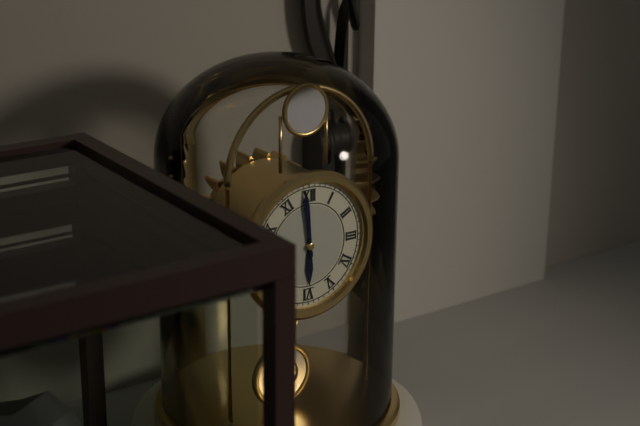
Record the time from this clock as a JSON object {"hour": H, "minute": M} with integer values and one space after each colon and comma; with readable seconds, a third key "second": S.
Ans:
{"hour": 5, "minute": 59}
